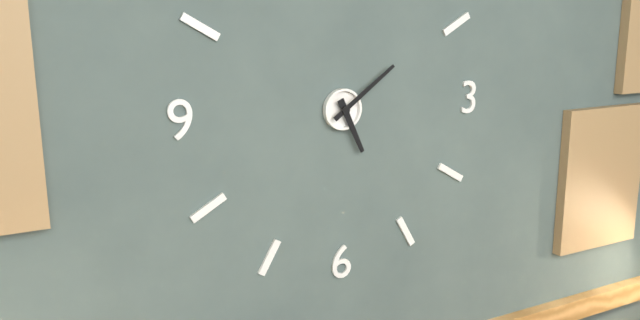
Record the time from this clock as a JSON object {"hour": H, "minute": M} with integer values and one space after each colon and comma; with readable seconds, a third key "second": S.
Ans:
{"hour": 5, "minute": 9}
